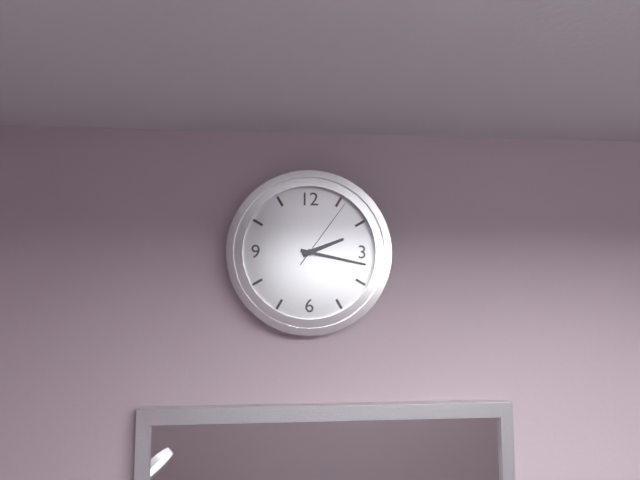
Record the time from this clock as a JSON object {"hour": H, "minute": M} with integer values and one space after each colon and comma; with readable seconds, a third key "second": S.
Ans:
{"hour": 2, "minute": 17, "second": 6}
